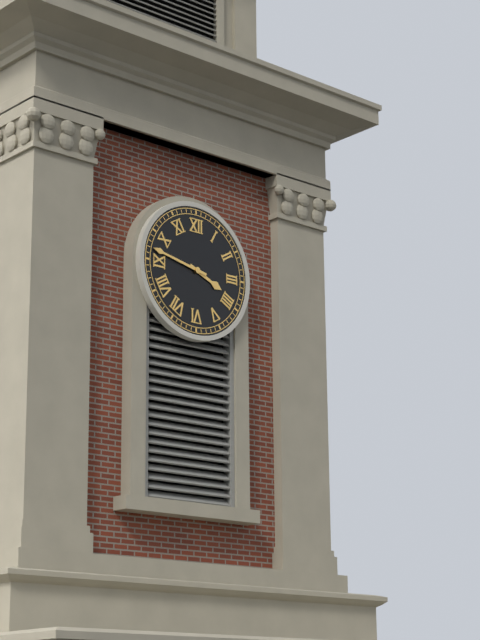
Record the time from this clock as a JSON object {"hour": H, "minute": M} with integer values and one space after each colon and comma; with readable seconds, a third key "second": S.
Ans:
{"hour": 3, "minute": 47}
